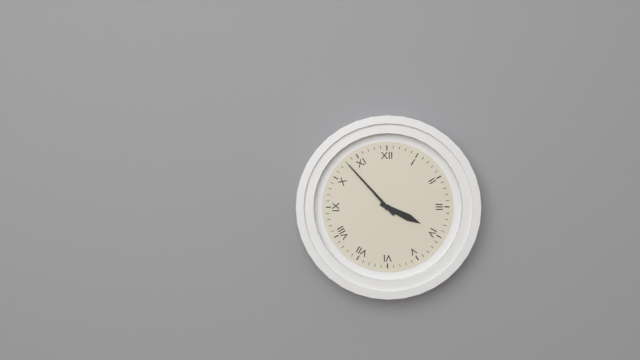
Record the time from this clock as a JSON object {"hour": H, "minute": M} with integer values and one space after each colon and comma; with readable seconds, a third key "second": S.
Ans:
{"hour": 3, "minute": 53}
